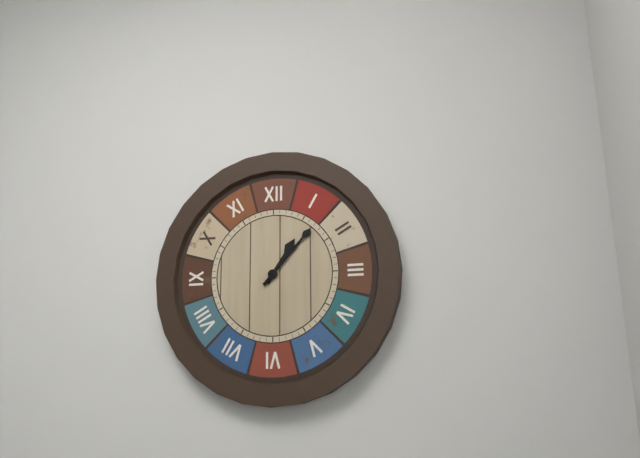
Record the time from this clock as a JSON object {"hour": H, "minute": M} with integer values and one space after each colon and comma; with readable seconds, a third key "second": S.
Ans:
{"hour": 1, "minute": 7}
